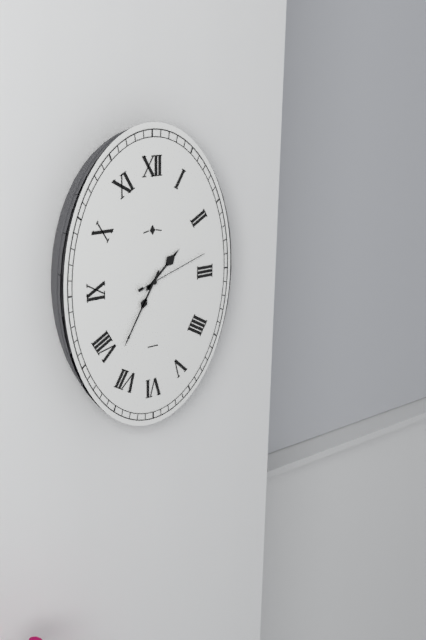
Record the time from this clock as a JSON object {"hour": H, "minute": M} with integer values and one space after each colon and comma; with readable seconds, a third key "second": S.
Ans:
{"hour": 1, "minute": 35, "second": 12}
